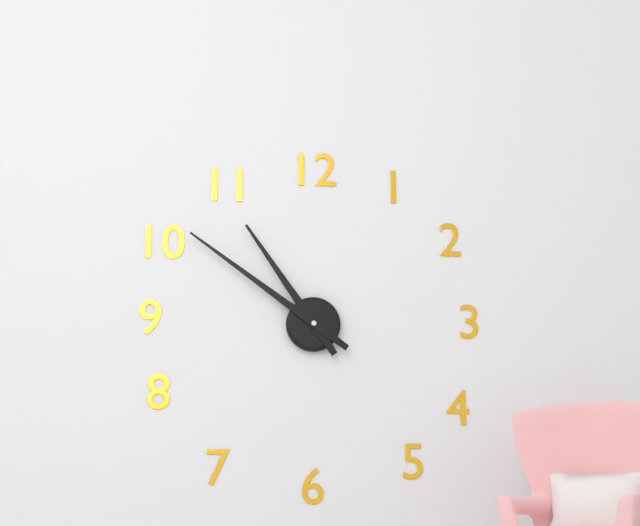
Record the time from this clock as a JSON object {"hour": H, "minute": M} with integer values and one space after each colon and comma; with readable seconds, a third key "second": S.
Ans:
{"hour": 10, "minute": 51}
